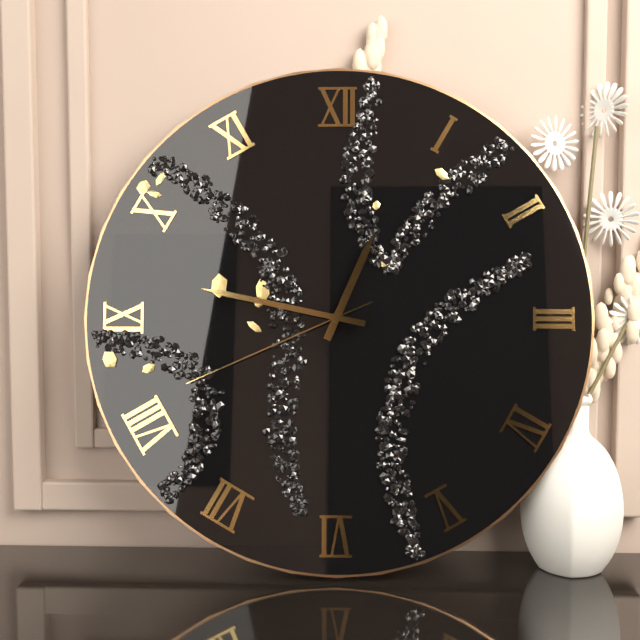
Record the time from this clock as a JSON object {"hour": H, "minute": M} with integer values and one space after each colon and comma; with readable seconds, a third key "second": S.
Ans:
{"hour": 12, "minute": 47, "second": 41}
